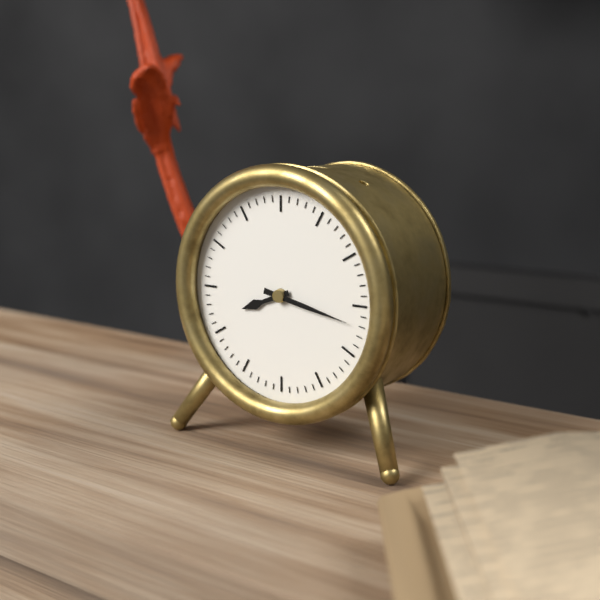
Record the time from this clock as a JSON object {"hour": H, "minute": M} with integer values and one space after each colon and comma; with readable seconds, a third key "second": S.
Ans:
{"hour": 8, "minute": 17}
